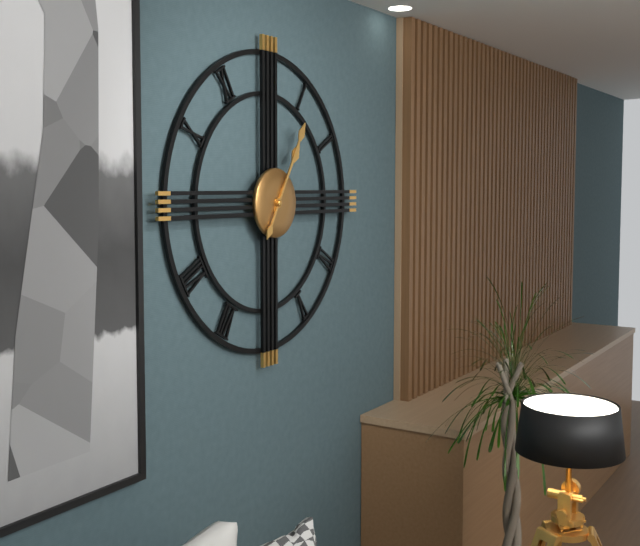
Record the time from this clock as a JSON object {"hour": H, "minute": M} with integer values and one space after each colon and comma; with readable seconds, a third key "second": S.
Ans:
{"hour": 1, "minute": 5}
